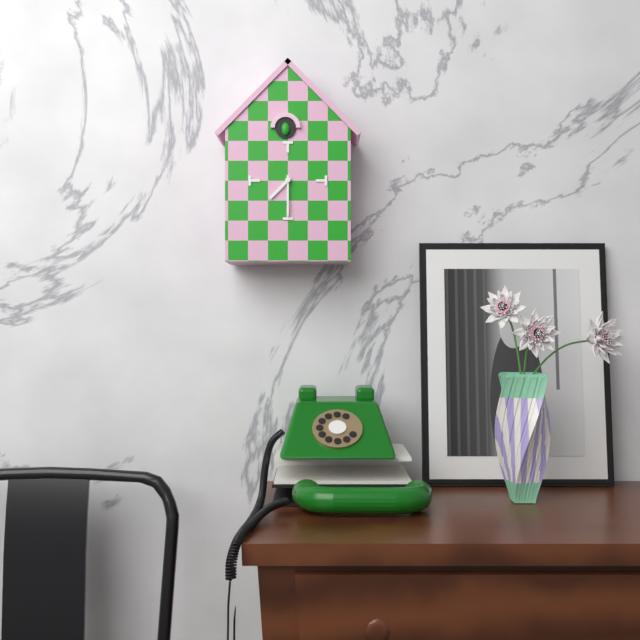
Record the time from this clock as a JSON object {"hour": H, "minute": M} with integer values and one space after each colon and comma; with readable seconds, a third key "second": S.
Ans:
{"hour": 7, "minute": 30}
